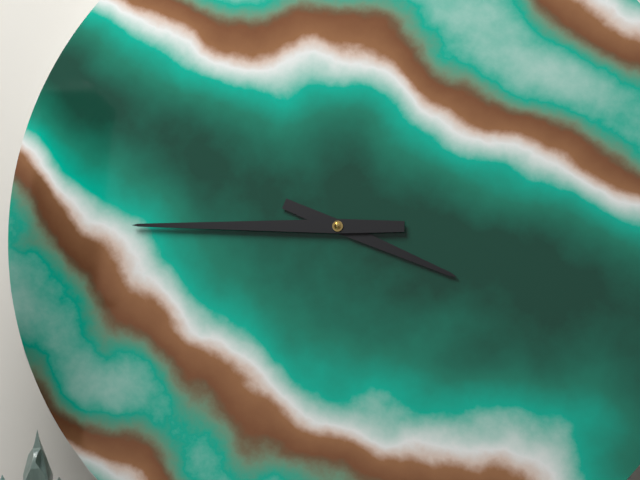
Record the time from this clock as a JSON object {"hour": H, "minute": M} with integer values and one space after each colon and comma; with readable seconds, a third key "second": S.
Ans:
{"hour": 3, "minute": 45}
